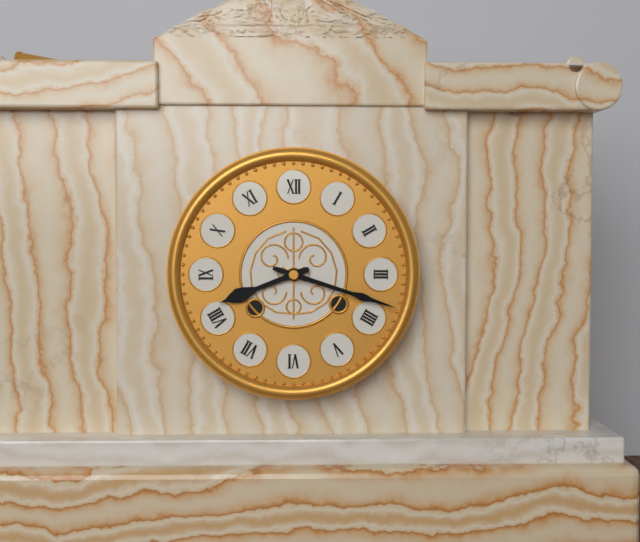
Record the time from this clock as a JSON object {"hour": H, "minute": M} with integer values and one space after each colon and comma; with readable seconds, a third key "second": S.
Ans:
{"hour": 8, "minute": 18}
